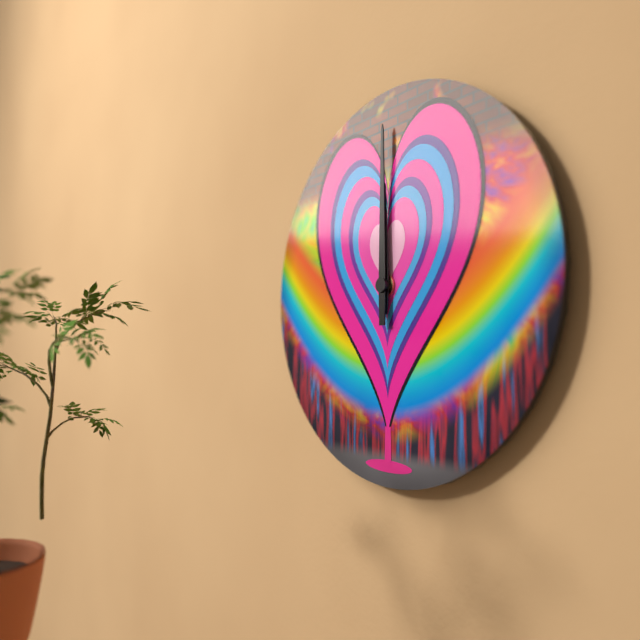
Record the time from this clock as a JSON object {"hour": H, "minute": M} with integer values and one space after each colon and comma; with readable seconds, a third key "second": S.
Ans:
{"hour": 12, "minute": 0}
